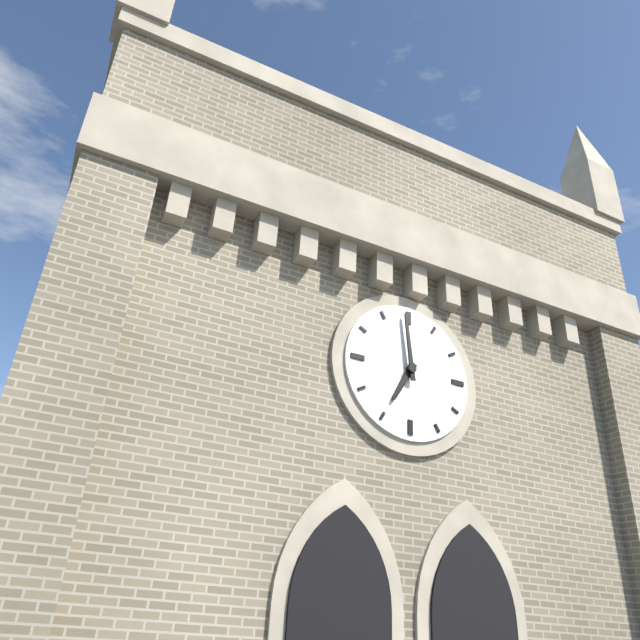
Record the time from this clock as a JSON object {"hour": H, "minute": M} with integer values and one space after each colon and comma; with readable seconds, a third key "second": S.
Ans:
{"hour": 6, "minute": 59}
